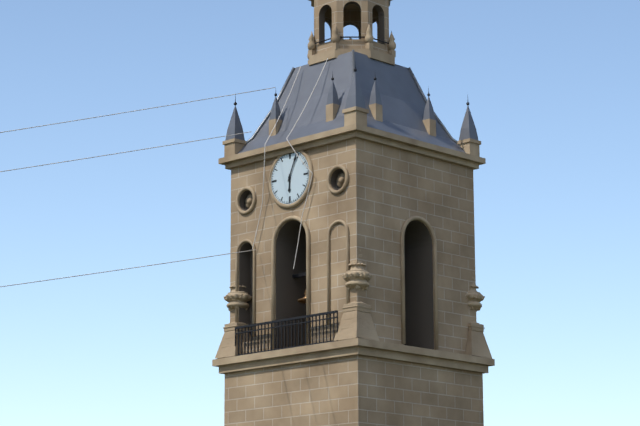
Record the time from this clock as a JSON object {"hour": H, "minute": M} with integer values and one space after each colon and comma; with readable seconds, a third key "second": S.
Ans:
{"hour": 6, "minute": 4}
